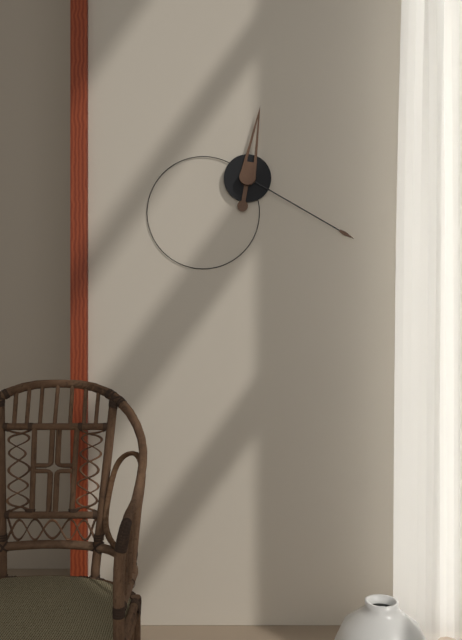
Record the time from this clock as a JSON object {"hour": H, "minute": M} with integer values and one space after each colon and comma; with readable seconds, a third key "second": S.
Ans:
{"hour": 12, "minute": 20}
